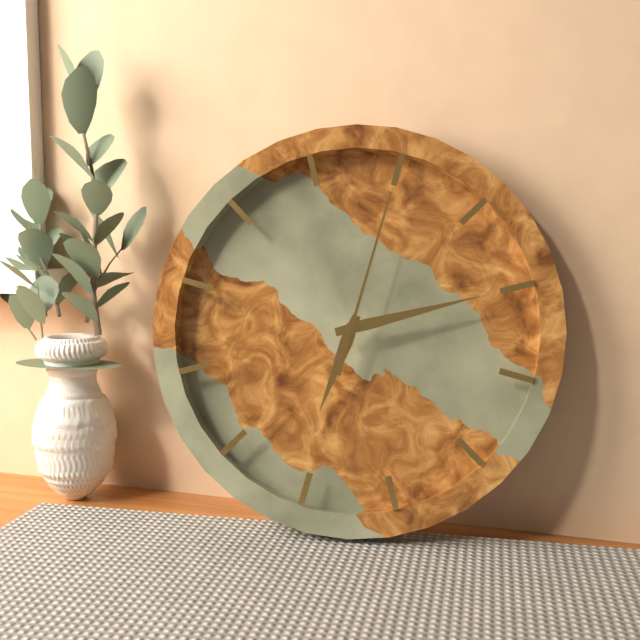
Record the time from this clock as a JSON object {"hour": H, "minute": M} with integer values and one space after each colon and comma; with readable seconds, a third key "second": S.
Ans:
{"hour": 6, "minute": 10, "second": 0}
